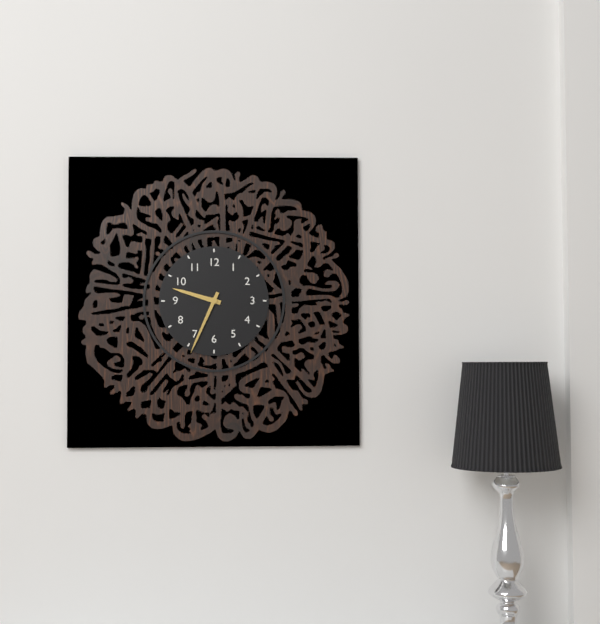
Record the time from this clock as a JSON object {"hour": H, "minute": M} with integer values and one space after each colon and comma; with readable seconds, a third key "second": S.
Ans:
{"hour": 9, "minute": 34}
